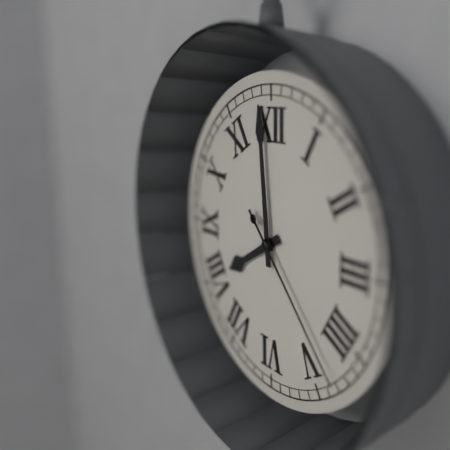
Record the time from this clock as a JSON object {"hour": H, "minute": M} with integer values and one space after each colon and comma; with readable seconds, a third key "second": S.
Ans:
{"hour": 7, "minute": 59, "second": 23}
